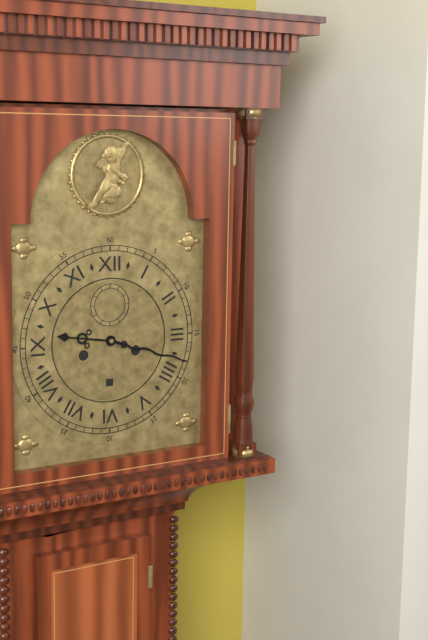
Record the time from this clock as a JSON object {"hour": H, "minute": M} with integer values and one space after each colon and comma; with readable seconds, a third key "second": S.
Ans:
{"hour": 9, "minute": 18}
